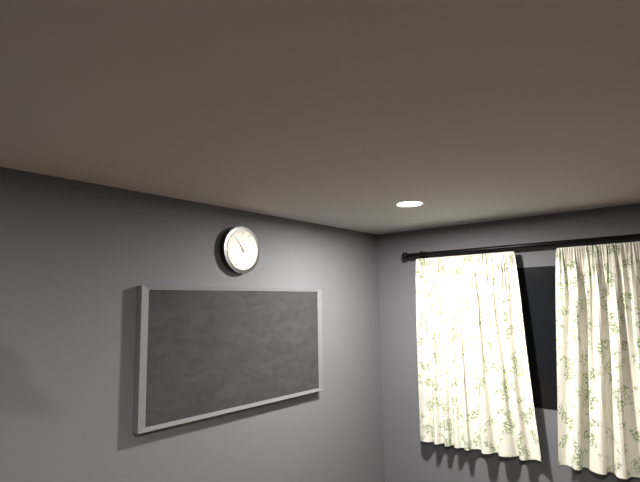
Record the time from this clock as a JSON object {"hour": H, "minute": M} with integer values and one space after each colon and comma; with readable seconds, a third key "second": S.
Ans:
{"hour": 10, "minute": 54}
